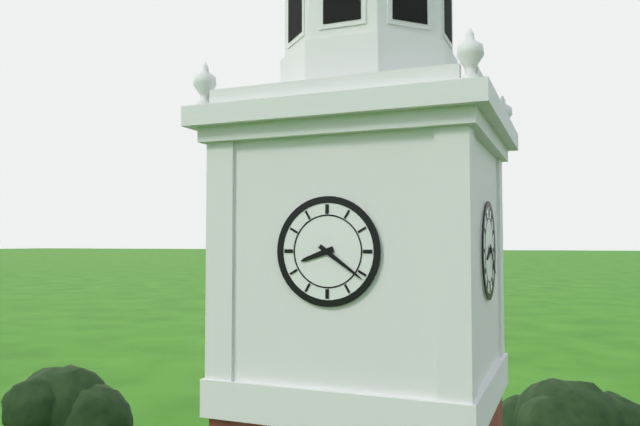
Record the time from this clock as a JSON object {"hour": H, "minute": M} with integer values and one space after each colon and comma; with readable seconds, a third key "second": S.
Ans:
{"hour": 8, "minute": 21}
